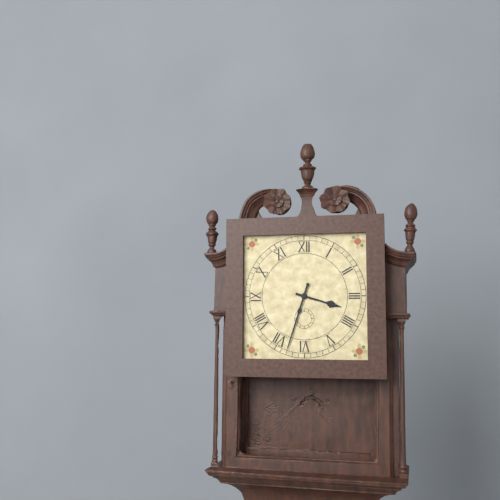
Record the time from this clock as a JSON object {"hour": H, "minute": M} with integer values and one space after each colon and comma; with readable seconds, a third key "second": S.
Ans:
{"hour": 3, "minute": 33}
